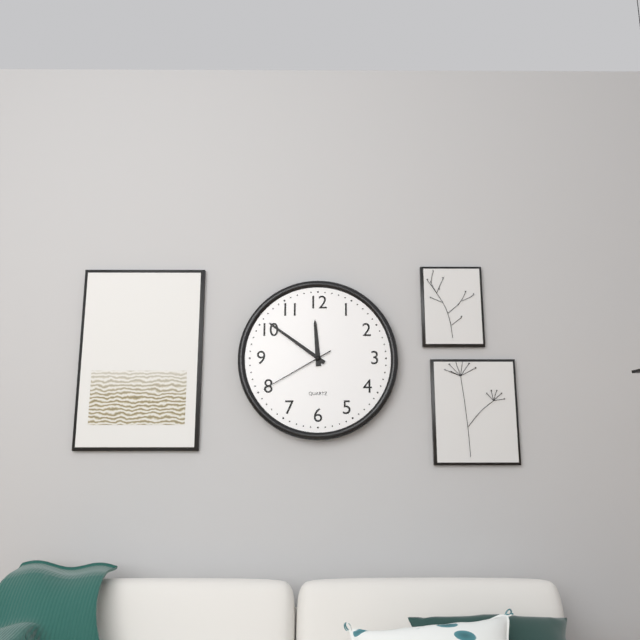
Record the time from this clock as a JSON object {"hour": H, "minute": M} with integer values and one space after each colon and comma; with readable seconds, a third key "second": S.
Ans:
{"hour": 11, "minute": 51, "second": 40}
